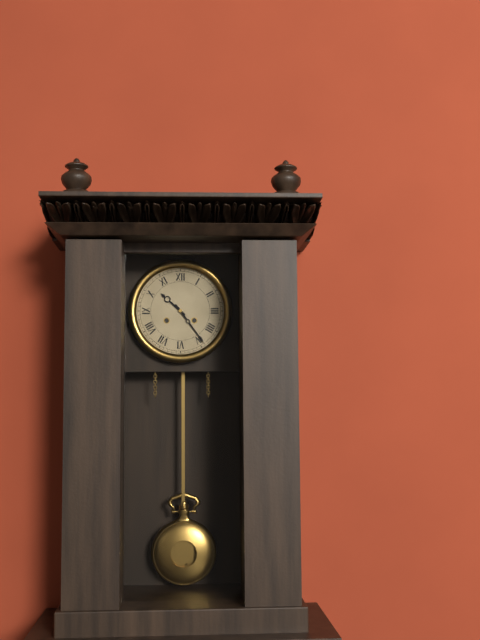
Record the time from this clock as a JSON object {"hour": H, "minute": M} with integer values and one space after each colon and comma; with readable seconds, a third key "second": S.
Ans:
{"hour": 10, "minute": 24}
